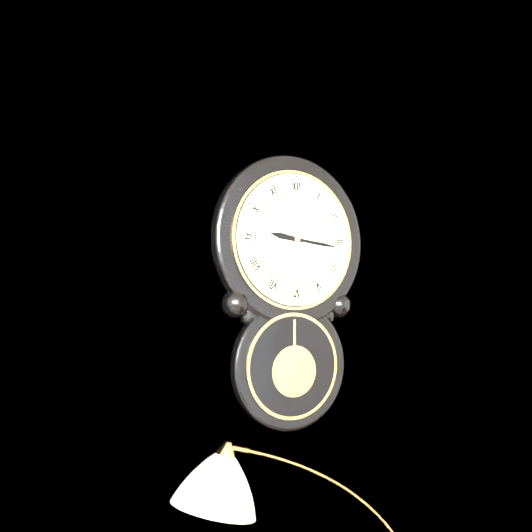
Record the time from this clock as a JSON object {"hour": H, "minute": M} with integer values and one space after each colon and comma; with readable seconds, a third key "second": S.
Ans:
{"hour": 9, "minute": 16}
